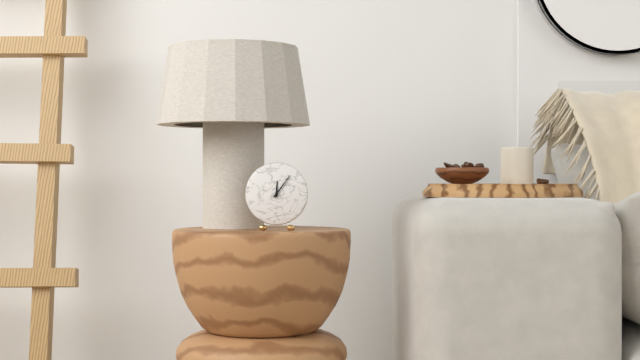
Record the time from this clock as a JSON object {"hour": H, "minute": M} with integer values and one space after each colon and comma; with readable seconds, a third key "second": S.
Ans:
{"hour": 12, "minute": 6}
